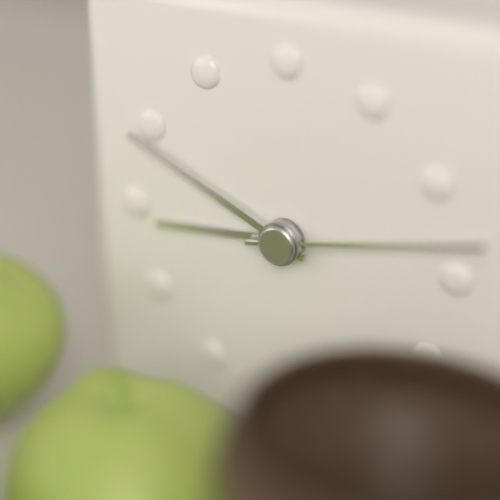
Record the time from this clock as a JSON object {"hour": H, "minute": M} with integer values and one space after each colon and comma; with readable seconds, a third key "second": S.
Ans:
{"hour": 8, "minute": 49, "second": 13}
